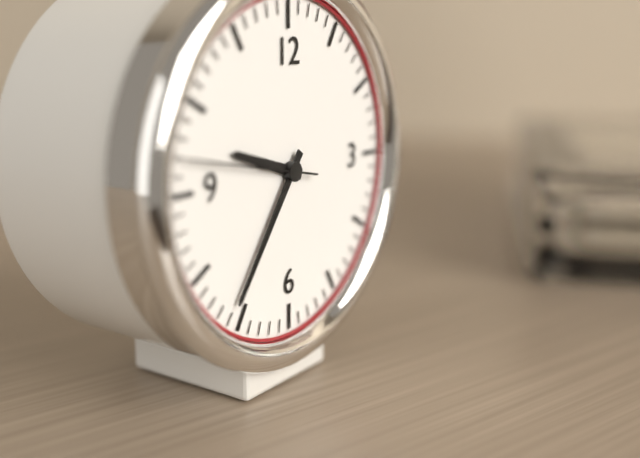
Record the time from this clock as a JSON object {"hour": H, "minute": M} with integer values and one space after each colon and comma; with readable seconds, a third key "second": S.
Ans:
{"hour": 9, "minute": 36, "second": 47}
